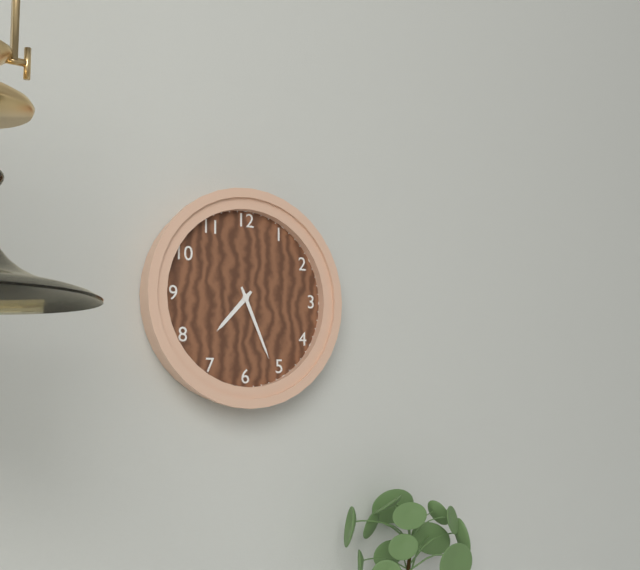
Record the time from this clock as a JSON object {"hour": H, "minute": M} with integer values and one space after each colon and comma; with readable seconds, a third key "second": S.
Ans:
{"hour": 7, "minute": 26}
